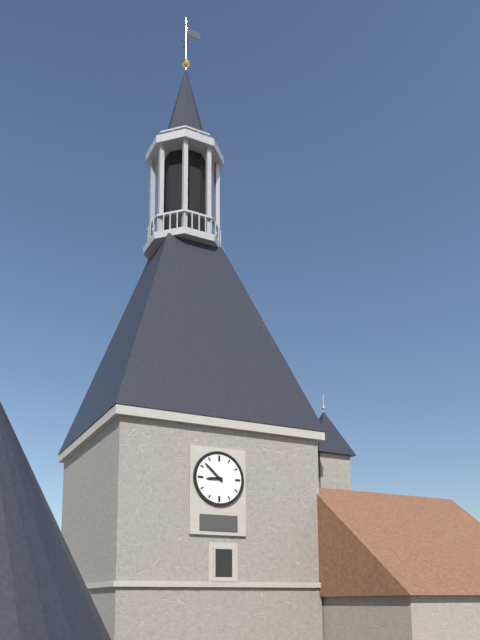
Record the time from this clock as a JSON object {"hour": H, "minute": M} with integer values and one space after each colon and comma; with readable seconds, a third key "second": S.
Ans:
{"hour": 8, "minute": 52}
